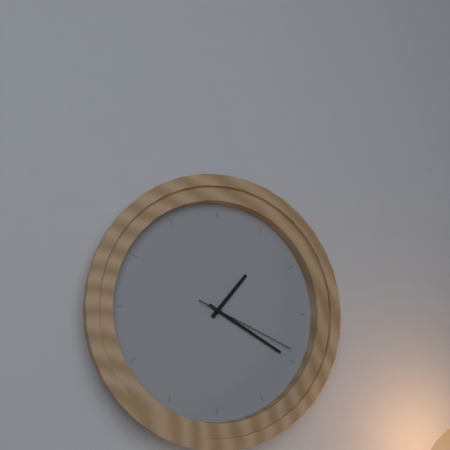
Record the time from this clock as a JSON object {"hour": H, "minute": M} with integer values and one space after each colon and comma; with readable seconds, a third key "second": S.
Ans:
{"hour": 1, "minute": 20, "second": 19}
